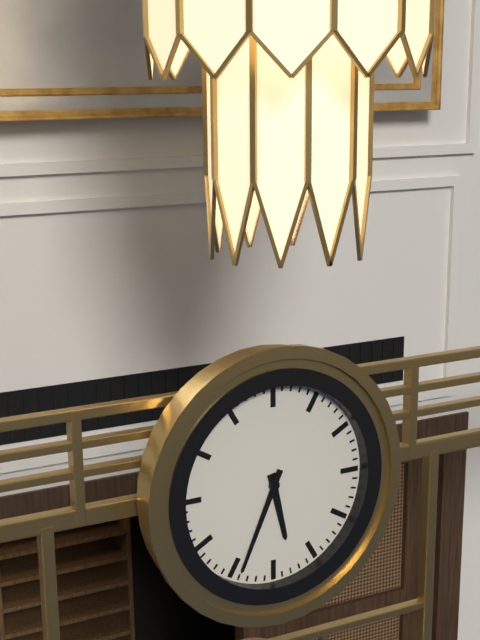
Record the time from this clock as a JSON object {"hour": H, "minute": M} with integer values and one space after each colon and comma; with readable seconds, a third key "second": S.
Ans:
{"hour": 5, "minute": 34}
